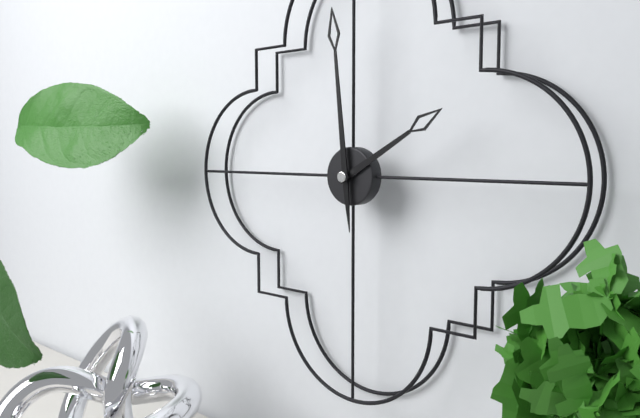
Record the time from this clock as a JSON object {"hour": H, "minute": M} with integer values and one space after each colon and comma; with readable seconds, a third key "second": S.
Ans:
{"hour": 1, "minute": 59}
